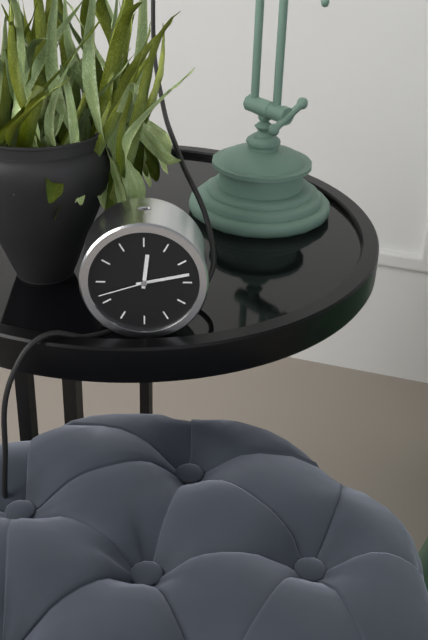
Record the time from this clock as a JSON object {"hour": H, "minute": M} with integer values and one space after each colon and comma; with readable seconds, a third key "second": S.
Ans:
{"hour": 12, "minute": 13, "second": 42}
